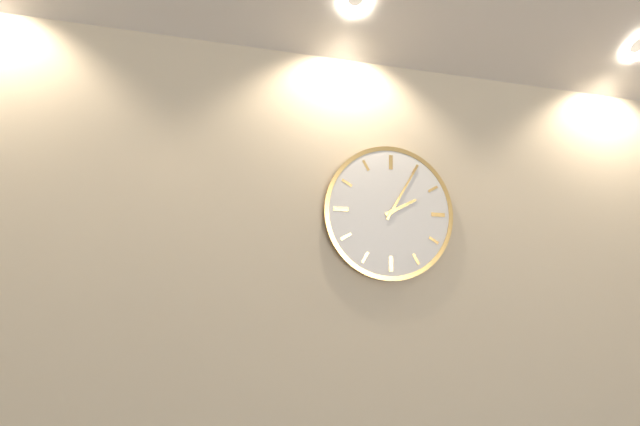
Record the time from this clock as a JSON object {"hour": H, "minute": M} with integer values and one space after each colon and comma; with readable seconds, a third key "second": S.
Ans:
{"hour": 2, "minute": 5}
